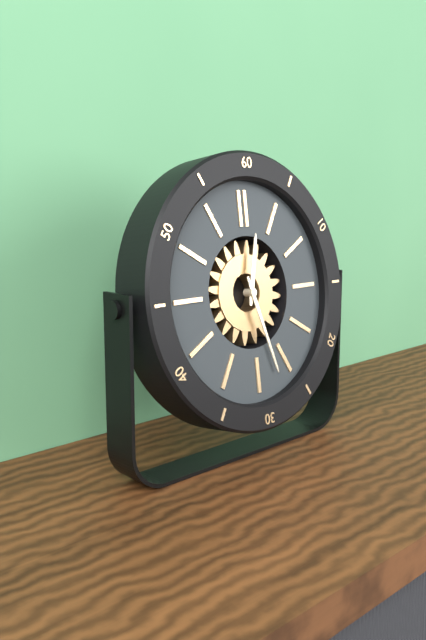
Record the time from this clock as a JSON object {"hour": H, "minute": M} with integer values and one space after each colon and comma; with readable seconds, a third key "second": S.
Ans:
{"hour": 12, "minute": 27}
